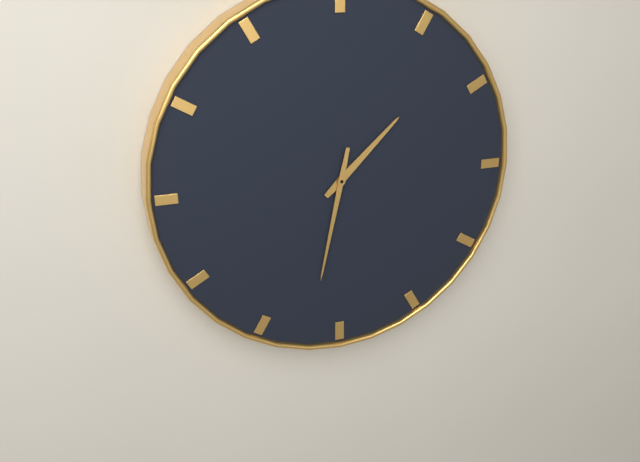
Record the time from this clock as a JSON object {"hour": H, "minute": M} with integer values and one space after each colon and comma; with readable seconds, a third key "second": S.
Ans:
{"hour": 1, "minute": 32}
